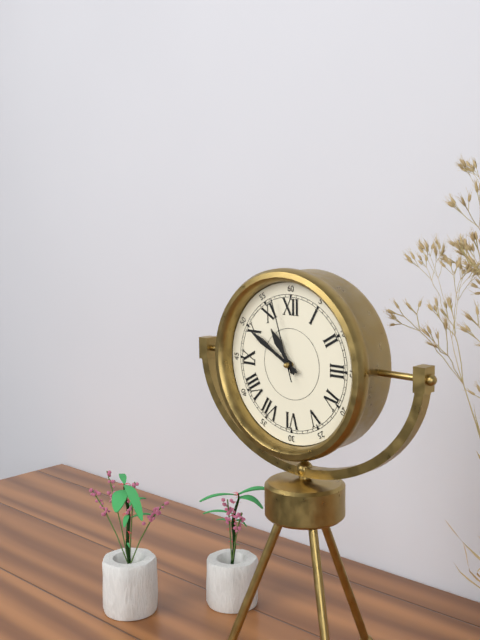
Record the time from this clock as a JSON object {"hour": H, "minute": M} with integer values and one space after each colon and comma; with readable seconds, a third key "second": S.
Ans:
{"hour": 10, "minute": 50, "second": 57}
